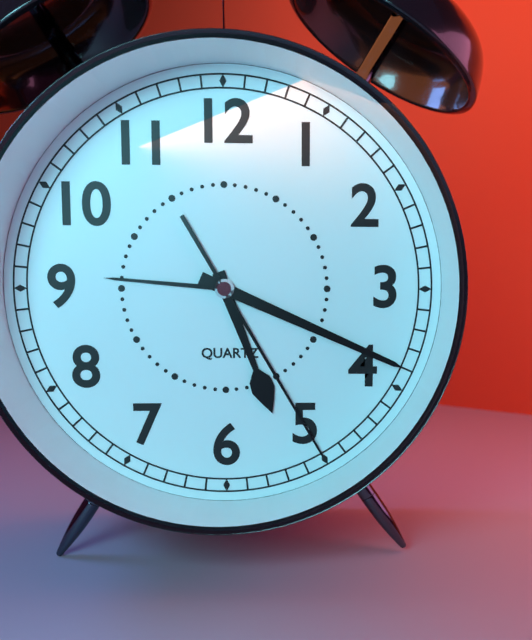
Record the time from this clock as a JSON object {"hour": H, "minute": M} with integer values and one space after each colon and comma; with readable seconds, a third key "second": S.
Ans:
{"hour": 5, "minute": 19, "second": 25}
